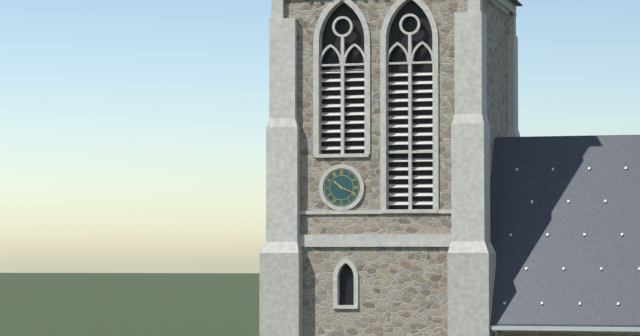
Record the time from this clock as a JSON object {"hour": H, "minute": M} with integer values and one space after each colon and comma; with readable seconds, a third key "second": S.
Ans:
{"hour": 10, "minute": 19}
